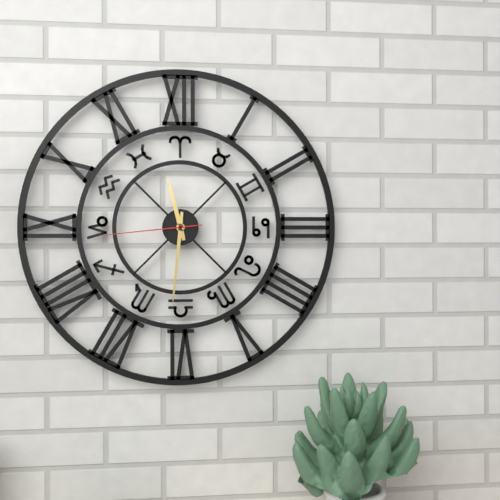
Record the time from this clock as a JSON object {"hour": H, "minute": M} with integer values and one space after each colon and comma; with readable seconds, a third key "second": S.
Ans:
{"hour": 11, "minute": 31, "second": 44}
